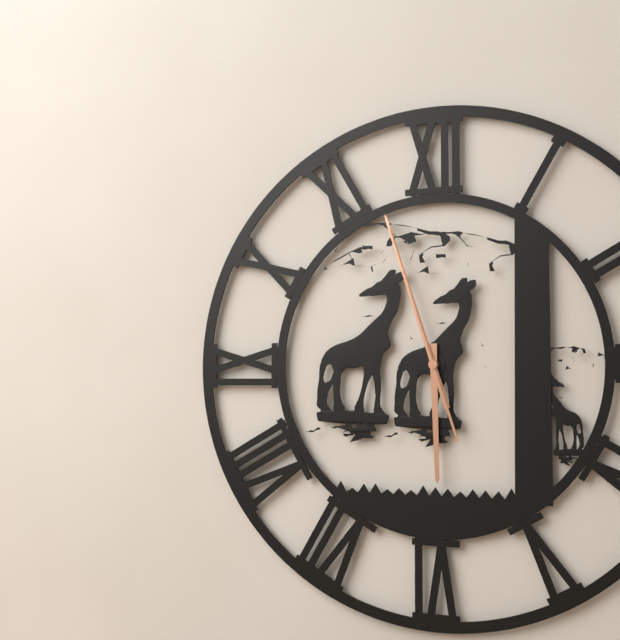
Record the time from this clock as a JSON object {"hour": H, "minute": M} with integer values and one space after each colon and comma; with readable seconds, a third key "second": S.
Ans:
{"hour": 5, "minute": 57, "second": 57}
